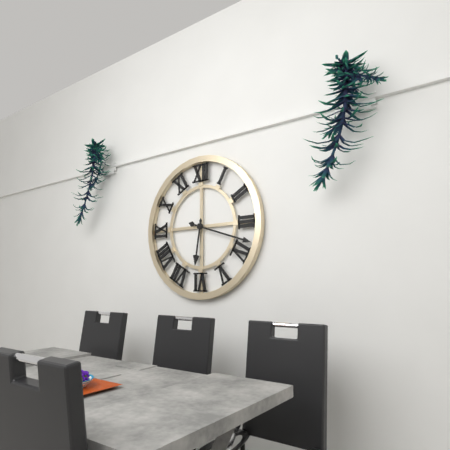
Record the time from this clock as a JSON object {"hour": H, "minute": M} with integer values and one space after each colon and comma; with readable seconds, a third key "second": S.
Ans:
{"hour": 6, "minute": 18}
